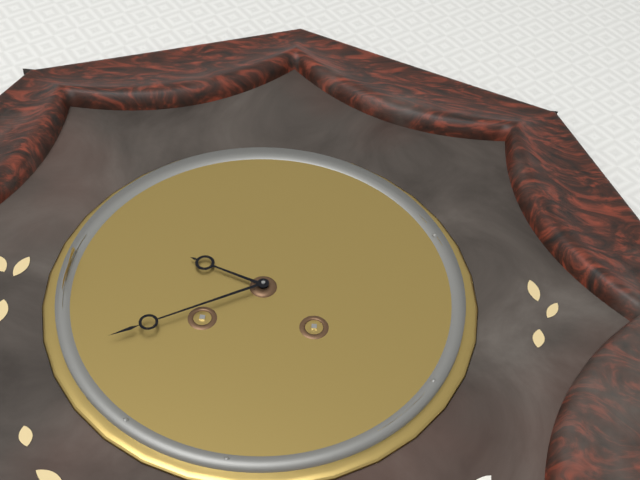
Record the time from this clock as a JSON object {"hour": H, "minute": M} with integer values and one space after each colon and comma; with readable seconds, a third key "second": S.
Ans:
{"hour": 9, "minute": 40}
